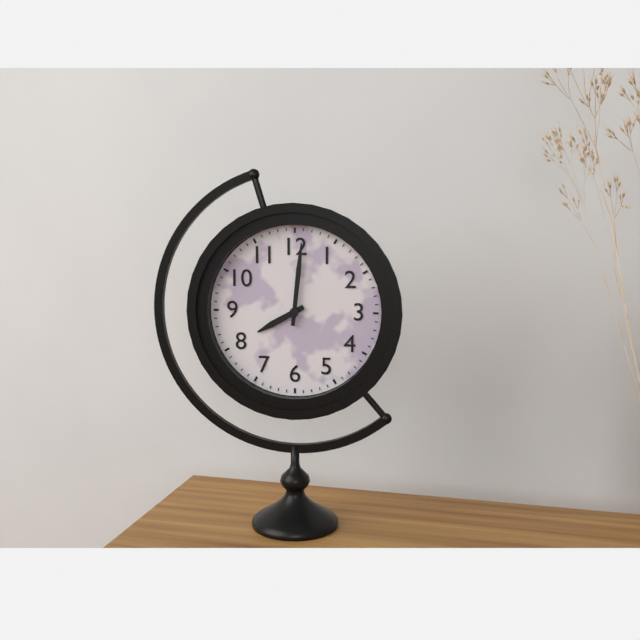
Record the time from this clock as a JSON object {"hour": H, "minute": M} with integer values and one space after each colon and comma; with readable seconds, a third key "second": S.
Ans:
{"hour": 8, "minute": 1}
